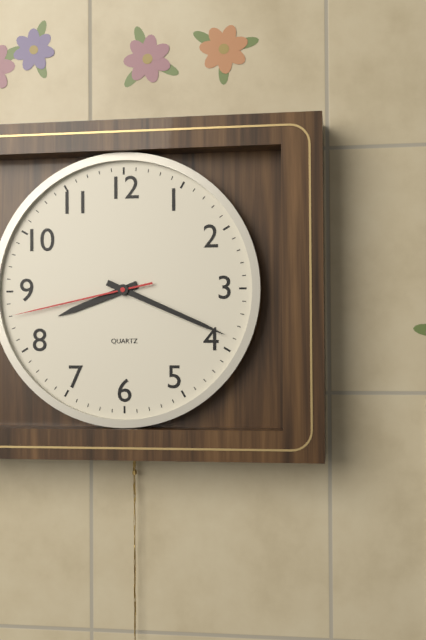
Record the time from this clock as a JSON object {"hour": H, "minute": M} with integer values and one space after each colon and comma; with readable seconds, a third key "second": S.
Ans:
{"hour": 8, "minute": 19, "second": 43}
